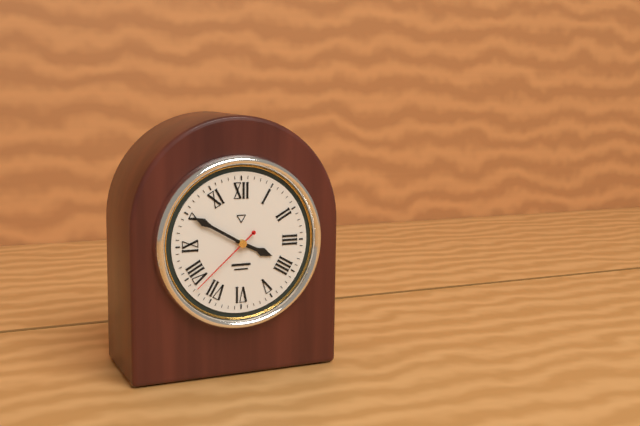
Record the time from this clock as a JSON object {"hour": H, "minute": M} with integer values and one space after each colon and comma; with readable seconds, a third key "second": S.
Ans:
{"hour": 3, "minute": 50, "second": 38}
